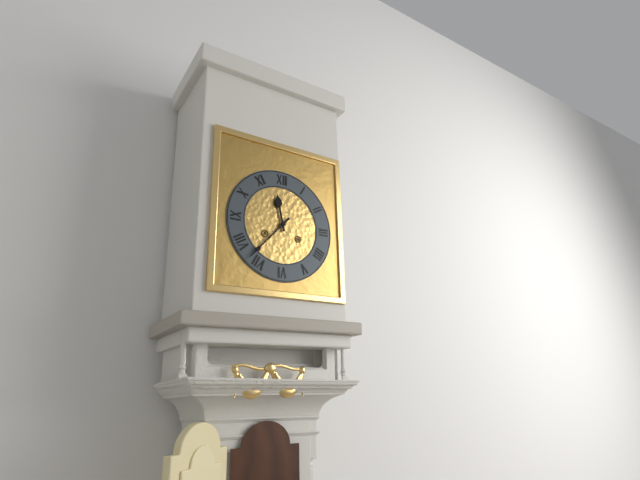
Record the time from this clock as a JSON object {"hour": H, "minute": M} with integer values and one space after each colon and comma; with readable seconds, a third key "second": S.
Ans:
{"hour": 11, "minute": 37}
